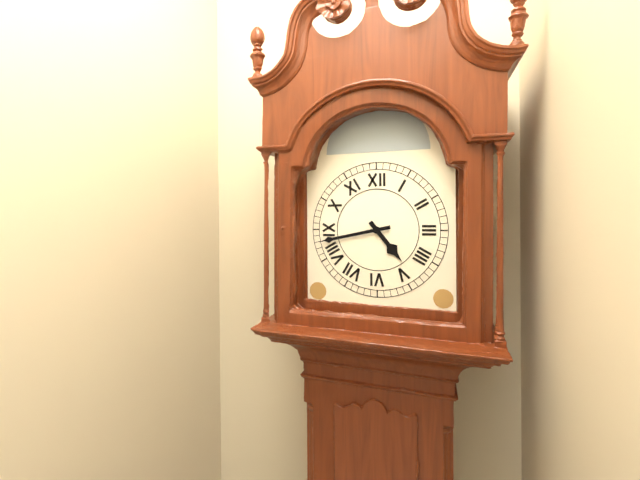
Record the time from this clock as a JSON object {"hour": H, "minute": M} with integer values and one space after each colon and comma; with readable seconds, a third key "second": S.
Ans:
{"hour": 4, "minute": 43}
